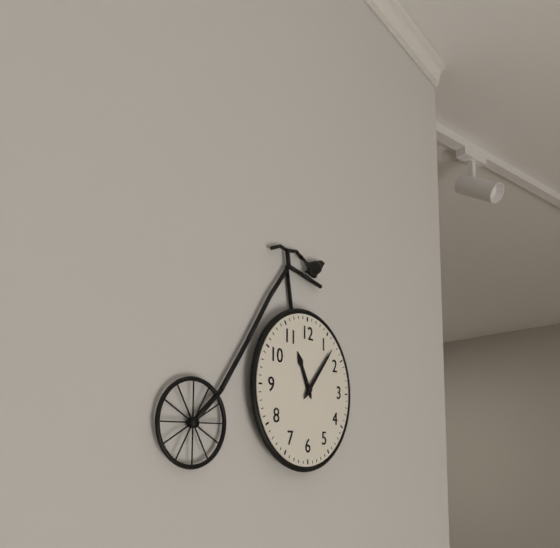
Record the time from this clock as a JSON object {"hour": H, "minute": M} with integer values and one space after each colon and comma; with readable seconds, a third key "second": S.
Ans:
{"hour": 11, "minute": 7}
